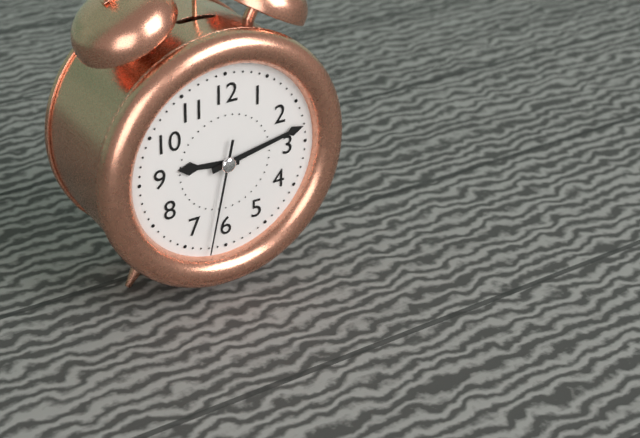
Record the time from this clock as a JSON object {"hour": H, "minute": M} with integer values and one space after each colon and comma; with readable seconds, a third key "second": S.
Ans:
{"hour": 9, "minute": 13, "second": 32}
